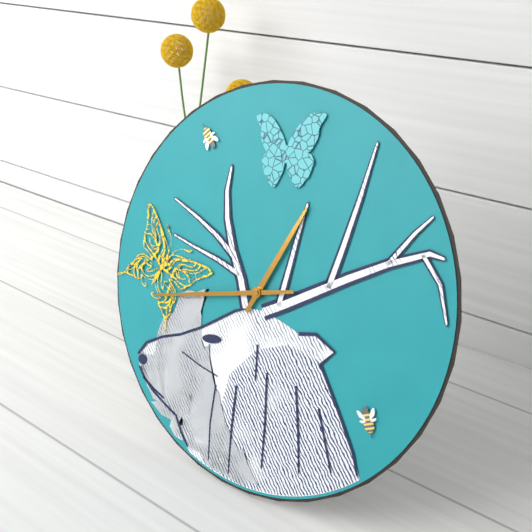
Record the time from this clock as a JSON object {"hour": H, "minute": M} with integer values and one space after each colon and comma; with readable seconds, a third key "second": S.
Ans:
{"hour": 12, "minute": 42}
